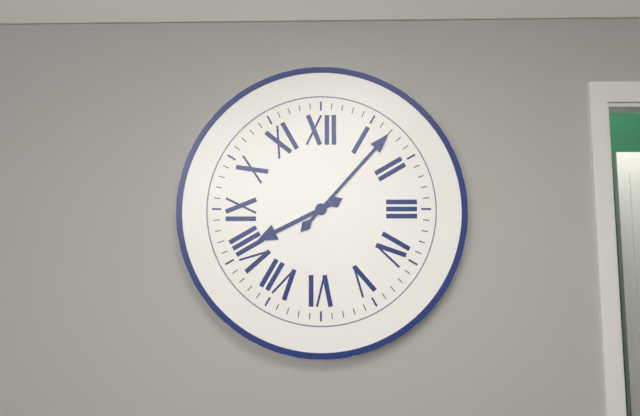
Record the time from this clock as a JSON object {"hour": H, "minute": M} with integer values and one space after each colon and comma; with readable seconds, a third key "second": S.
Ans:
{"hour": 8, "minute": 7}
